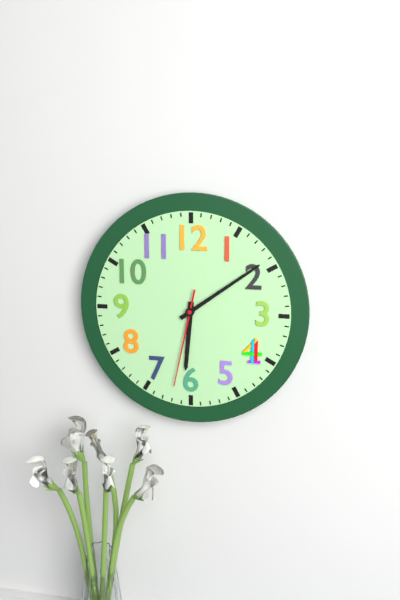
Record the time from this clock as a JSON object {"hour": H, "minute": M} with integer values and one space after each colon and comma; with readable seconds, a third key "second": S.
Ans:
{"hour": 6, "minute": 9, "second": 32}
